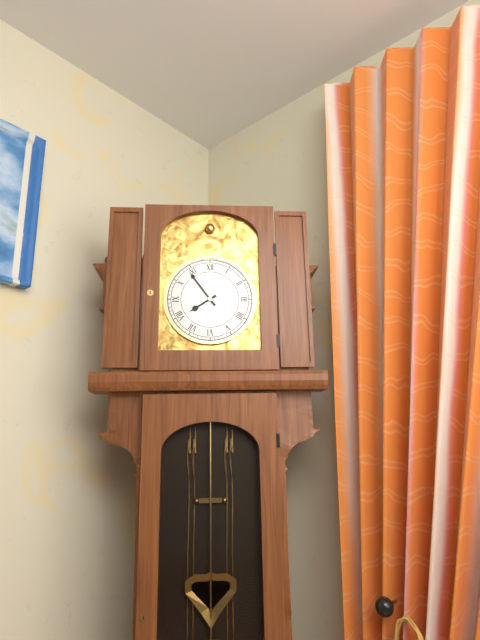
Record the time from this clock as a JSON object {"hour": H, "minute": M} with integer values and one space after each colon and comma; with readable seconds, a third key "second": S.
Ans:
{"hour": 7, "minute": 54}
